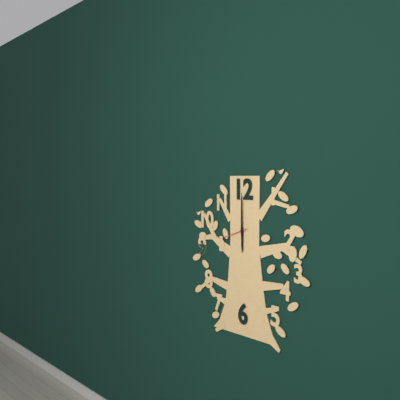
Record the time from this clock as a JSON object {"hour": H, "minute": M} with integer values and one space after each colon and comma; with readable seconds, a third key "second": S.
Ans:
{"hour": 6, "minute": 0}
